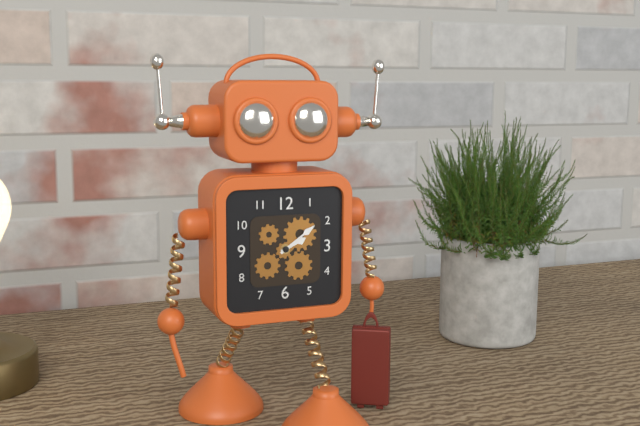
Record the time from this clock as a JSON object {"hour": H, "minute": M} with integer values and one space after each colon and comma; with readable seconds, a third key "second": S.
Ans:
{"hour": 2, "minute": 9}
